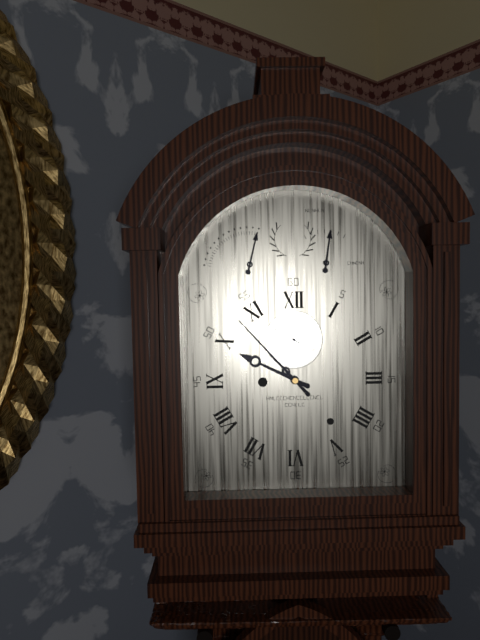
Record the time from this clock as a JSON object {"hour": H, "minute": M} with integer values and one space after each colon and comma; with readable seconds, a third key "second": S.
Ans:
{"hour": 9, "minute": 53}
